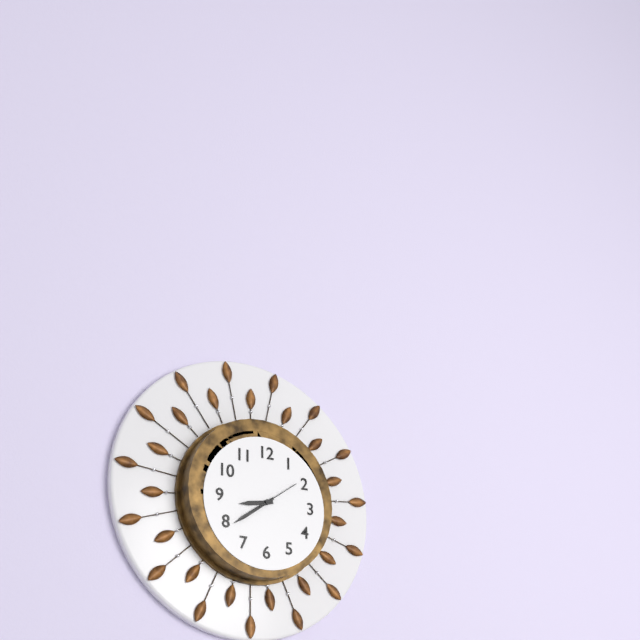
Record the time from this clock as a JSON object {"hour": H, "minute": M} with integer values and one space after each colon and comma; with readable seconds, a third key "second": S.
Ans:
{"hour": 8, "minute": 39}
